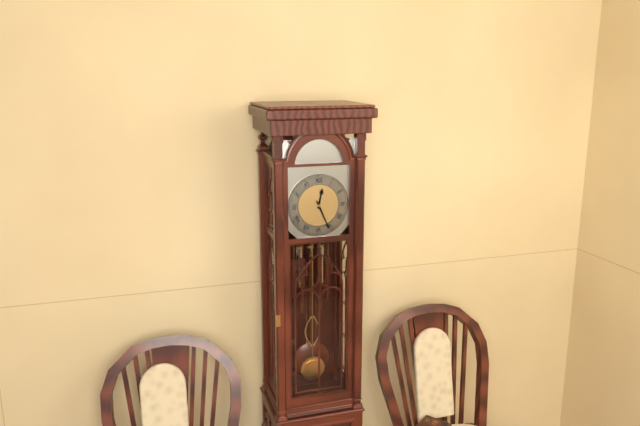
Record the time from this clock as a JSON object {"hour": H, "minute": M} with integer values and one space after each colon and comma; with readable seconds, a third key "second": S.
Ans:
{"hour": 12, "minute": 26}
